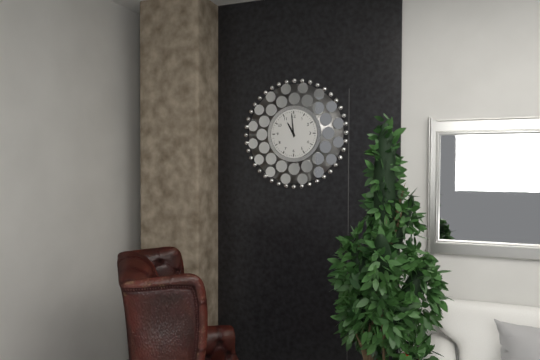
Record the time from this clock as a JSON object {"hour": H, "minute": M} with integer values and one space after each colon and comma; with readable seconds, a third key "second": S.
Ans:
{"hour": 10, "minute": 59}
